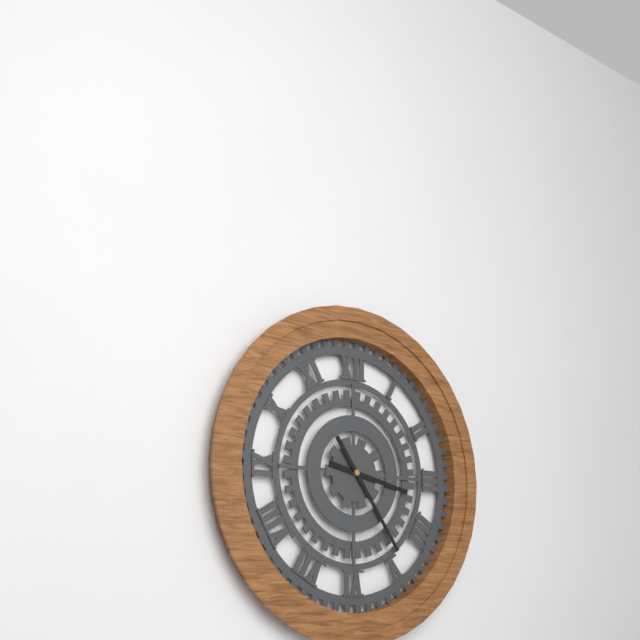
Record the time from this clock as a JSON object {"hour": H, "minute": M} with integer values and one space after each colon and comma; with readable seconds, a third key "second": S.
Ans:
{"hour": 3, "minute": 24}
